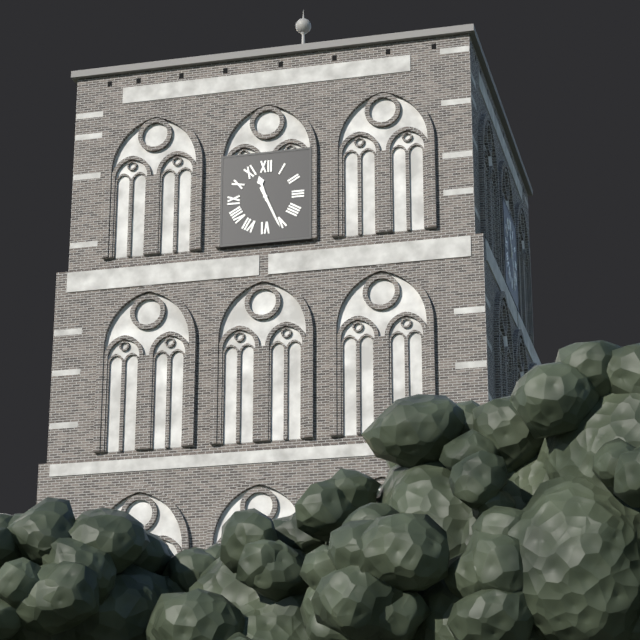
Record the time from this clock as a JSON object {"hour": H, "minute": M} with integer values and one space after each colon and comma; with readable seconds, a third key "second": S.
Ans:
{"hour": 11, "minute": 26}
